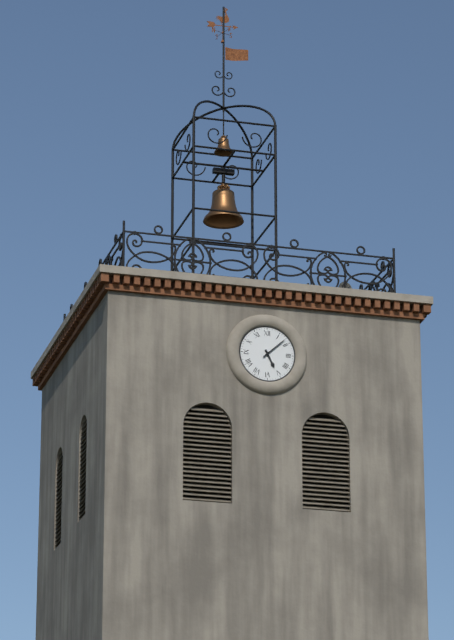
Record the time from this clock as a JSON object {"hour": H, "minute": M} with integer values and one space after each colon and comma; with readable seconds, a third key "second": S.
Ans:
{"hour": 5, "minute": 8}
